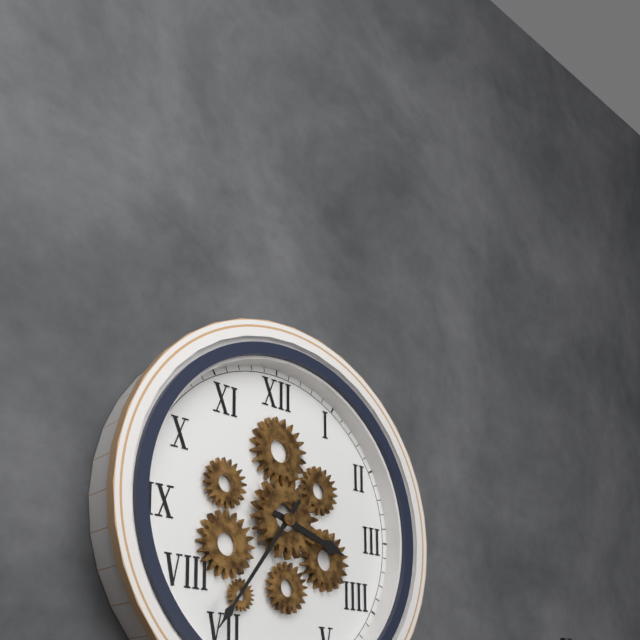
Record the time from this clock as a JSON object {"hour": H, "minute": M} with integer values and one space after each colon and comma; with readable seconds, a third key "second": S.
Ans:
{"hour": 3, "minute": 36}
